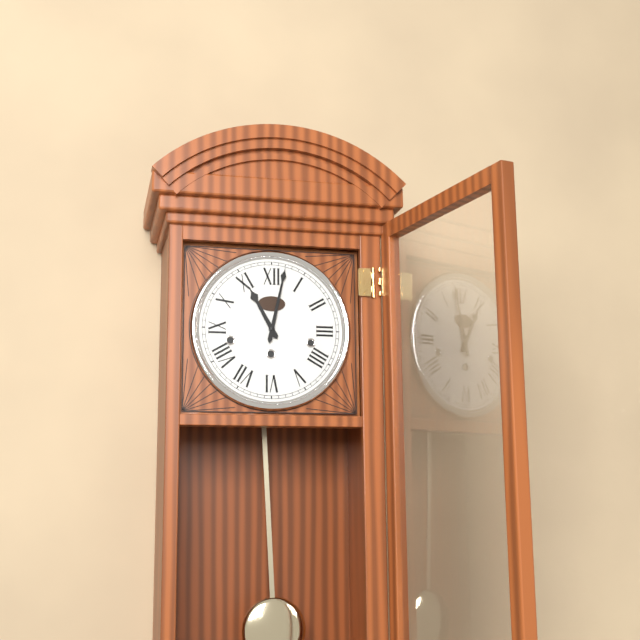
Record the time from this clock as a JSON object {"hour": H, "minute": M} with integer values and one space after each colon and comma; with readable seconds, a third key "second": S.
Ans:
{"hour": 11, "minute": 2}
